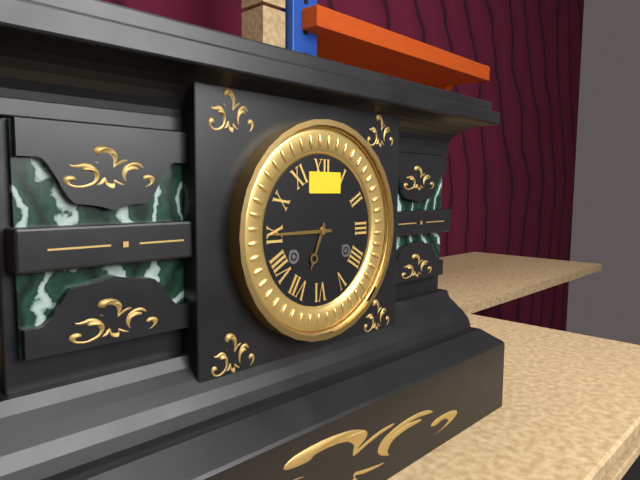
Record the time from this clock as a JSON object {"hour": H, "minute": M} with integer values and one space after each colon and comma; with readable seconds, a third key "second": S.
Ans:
{"hour": 6, "minute": 45}
